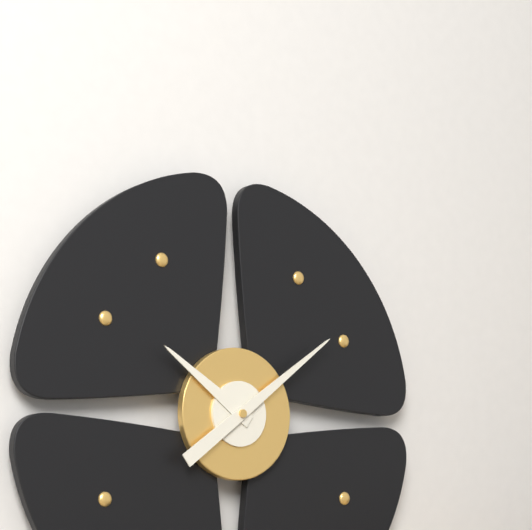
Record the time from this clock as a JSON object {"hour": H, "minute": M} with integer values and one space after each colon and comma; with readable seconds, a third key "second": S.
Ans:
{"hour": 10, "minute": 9}
